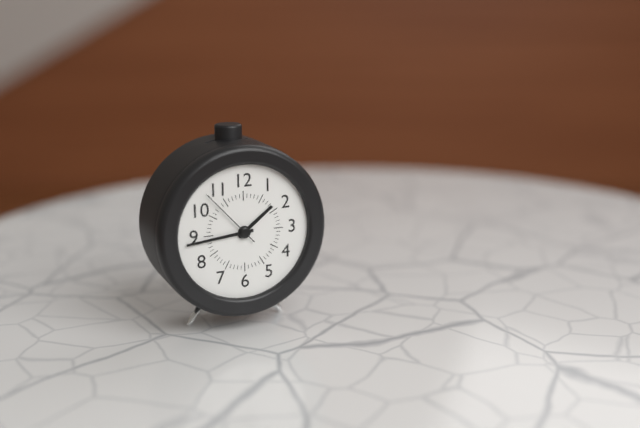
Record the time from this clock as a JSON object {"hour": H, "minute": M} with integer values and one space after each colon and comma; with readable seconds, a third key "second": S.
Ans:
{"hour": 1, "minute": 44, "second": 53}
